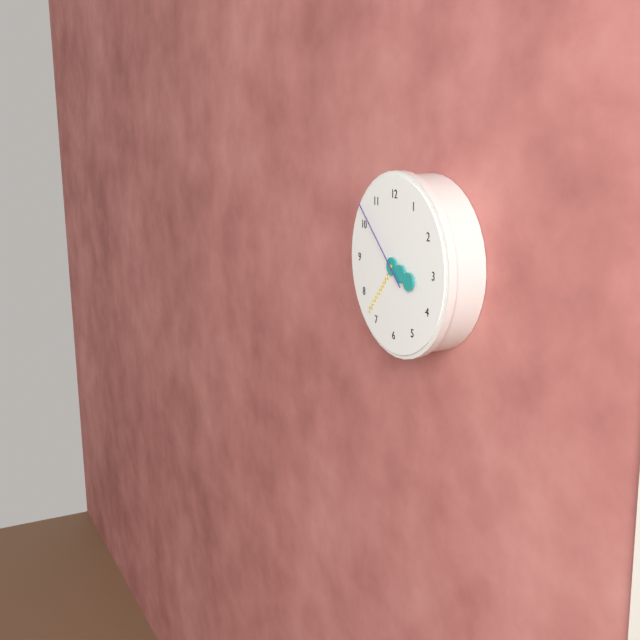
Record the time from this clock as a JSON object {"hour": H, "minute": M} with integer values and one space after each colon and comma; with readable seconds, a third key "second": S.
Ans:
{"hour": 3, "minute": 37, "second": 52}
